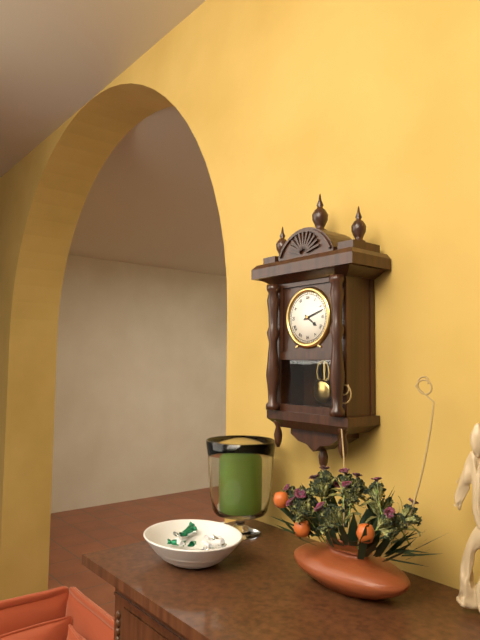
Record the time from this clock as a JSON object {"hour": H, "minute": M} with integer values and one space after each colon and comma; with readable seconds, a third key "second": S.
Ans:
{"hour": 4, "minute": 12}
